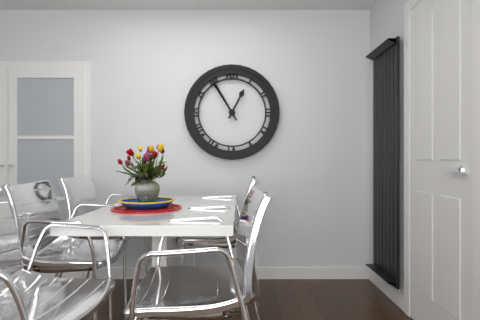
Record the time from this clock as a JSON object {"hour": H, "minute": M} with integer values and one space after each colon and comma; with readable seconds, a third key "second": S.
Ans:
{"hour": 12, "minute": 55}
